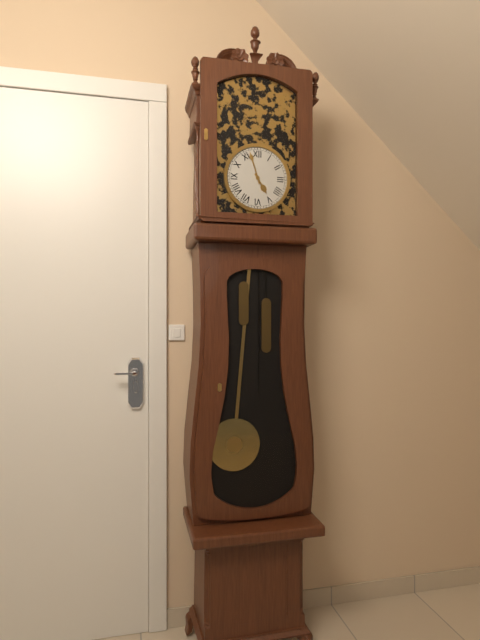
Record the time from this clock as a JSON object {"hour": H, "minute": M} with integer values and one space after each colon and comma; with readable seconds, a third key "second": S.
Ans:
{"hour": 4, "minute": 57}
